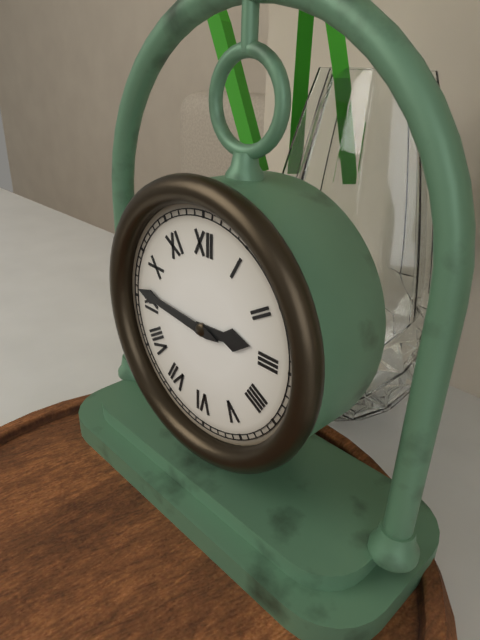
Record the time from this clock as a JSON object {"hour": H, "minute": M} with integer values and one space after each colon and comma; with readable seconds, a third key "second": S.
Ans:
{"hour": 2, "minute": 46}
